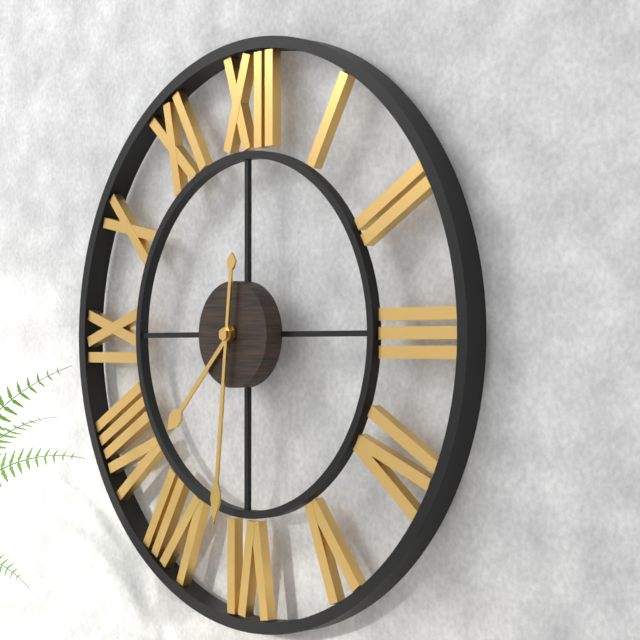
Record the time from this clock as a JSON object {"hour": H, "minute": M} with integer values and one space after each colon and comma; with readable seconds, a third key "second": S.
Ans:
{"hour": 7, "minute": 31}
